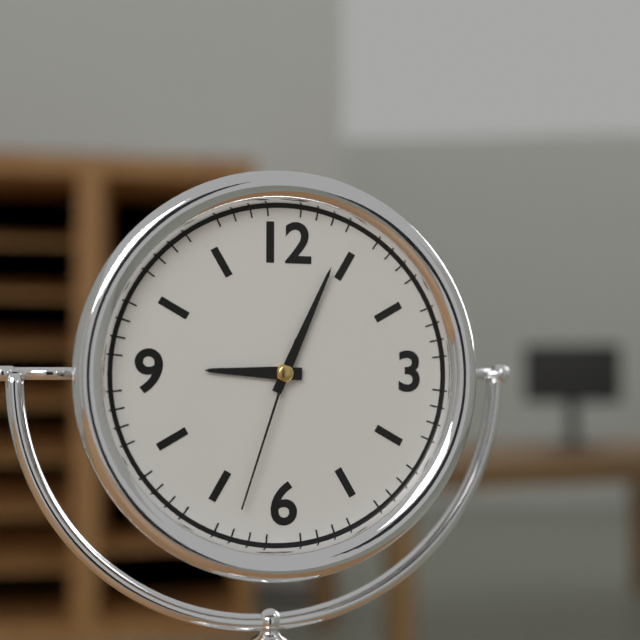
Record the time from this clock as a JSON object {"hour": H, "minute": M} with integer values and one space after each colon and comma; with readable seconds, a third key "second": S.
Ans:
{"hour": 9, "minute": 4, "second": 33}
